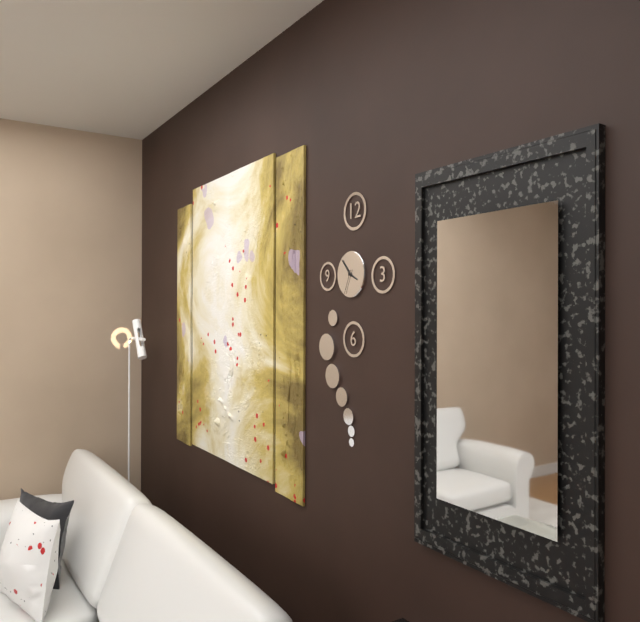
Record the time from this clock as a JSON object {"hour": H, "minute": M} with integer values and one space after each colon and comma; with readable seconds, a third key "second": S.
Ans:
{"hour": 3, "minute": 53}
